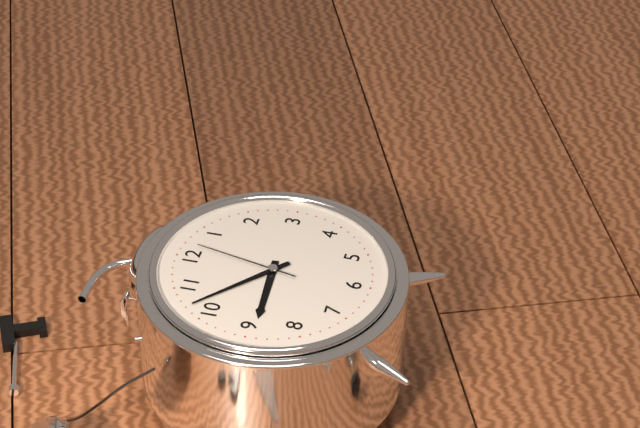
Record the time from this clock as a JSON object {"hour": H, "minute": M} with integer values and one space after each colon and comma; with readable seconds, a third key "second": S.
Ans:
{"hour": 8, "minute": 52, "second": 2}
